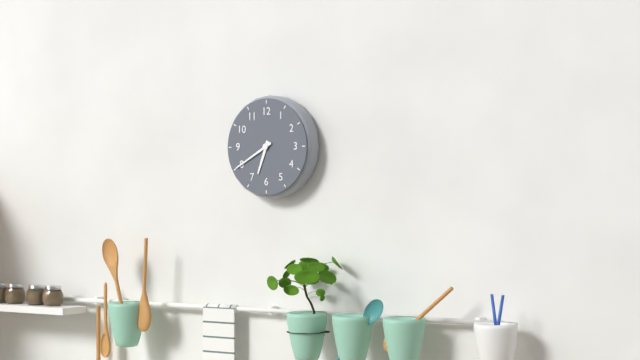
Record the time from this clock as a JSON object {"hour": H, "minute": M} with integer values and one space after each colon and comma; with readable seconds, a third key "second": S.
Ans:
{"hour": 6, "minute": 40}
